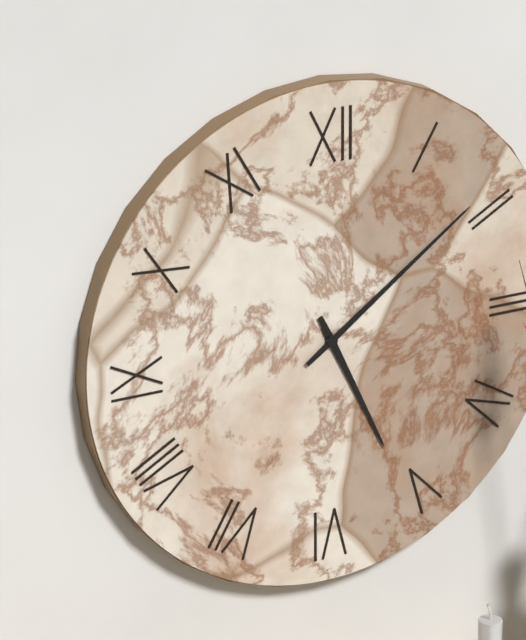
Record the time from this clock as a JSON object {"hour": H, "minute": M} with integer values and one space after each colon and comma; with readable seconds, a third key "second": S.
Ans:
{"hour": 5, "minute": 9}
